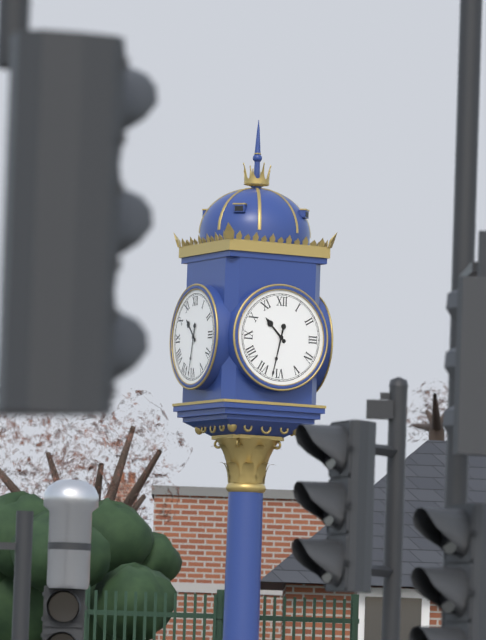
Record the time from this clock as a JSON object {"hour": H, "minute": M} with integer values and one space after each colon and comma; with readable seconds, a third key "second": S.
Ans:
{"hour": 10, "minute": 32}
